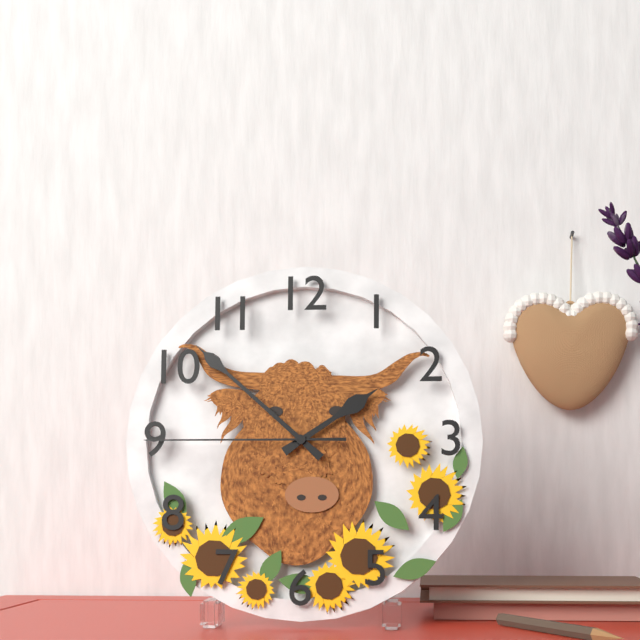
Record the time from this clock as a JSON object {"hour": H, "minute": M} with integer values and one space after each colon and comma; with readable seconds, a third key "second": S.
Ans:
{"hour": 1, "minute": 52, "second": 45}
